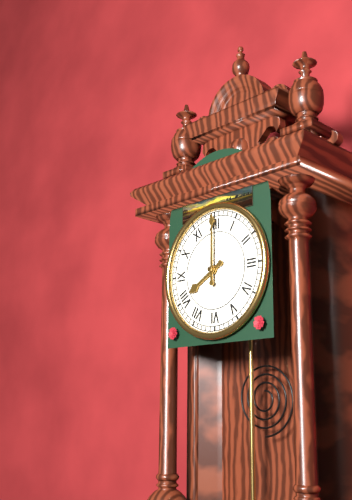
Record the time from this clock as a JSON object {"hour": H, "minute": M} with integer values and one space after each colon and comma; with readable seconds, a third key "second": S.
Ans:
{"hour": 8, "minute": 0}
